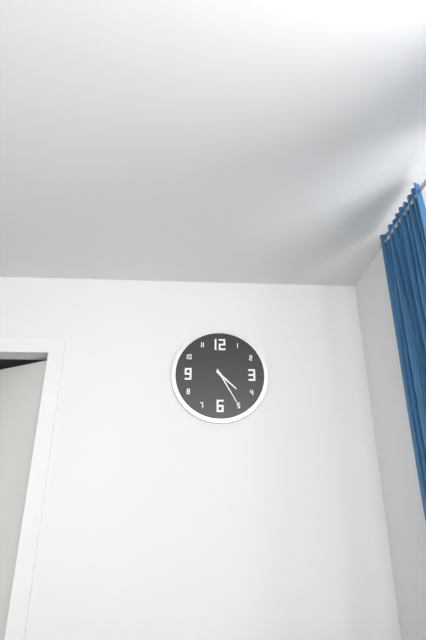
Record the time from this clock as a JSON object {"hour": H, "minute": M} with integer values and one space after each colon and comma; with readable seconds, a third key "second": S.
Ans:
{"hour": 4, "minute": 25}
